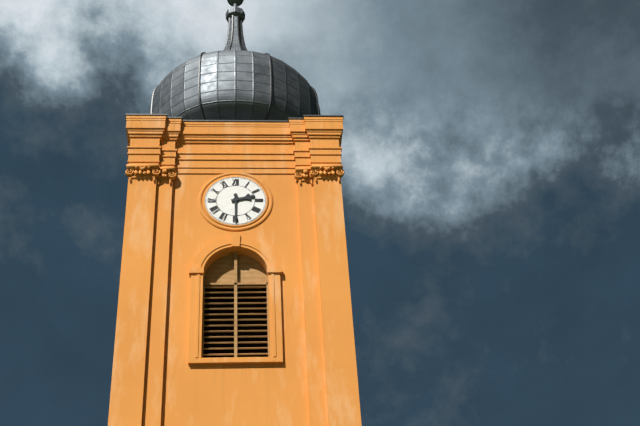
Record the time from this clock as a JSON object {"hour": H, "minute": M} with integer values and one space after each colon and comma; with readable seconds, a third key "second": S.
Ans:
{"hour": 2, "minute": 30}
